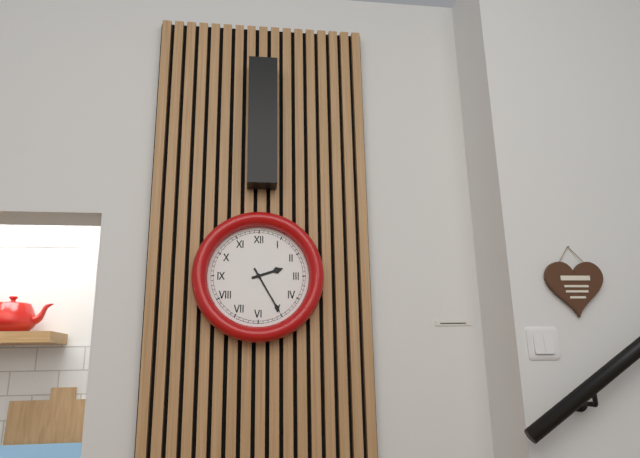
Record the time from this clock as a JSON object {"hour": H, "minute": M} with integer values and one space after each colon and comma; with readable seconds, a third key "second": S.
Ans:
{"hour": 2, "minute": 25}
